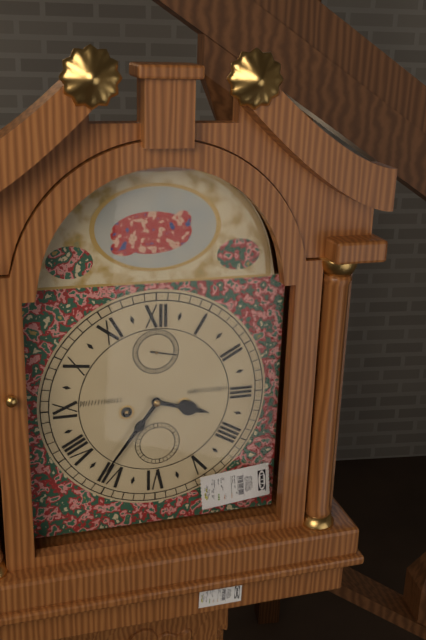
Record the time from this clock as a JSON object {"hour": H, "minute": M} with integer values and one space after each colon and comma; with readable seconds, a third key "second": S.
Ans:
{"hour": 3, "minute": 36}
